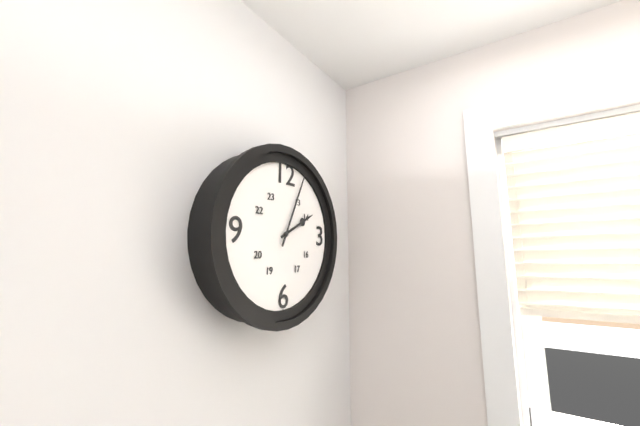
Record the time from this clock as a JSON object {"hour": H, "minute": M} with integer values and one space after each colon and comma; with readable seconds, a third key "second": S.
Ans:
{"hour": 2, "minute": 4}
